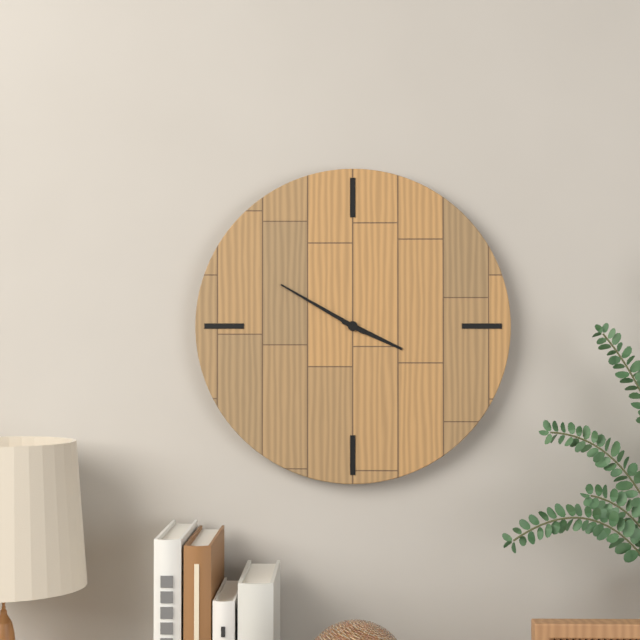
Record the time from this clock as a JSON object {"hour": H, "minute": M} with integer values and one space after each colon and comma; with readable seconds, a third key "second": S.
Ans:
{"hour": 3, "minute": 50}
